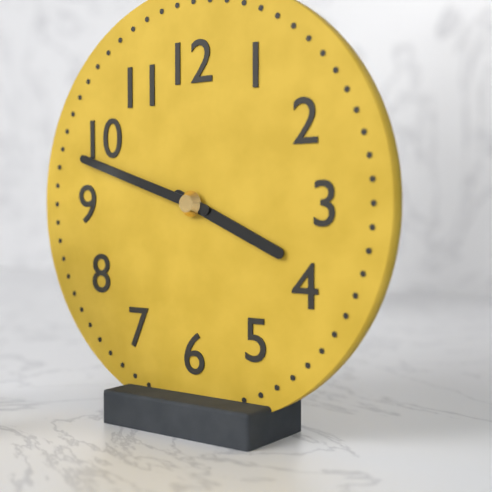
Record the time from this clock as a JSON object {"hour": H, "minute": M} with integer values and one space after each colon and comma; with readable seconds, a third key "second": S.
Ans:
{"hour": 3, "minute": 48}
